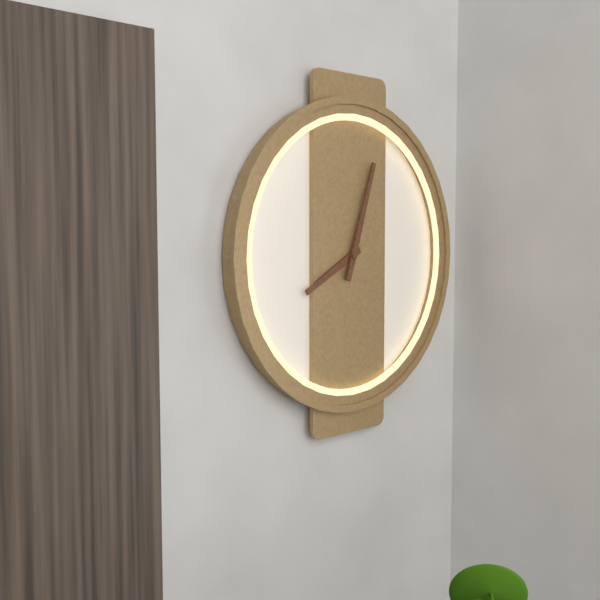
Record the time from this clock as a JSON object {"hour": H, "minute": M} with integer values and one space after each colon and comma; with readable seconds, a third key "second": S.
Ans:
{"hour": 8, "minute": 3}
